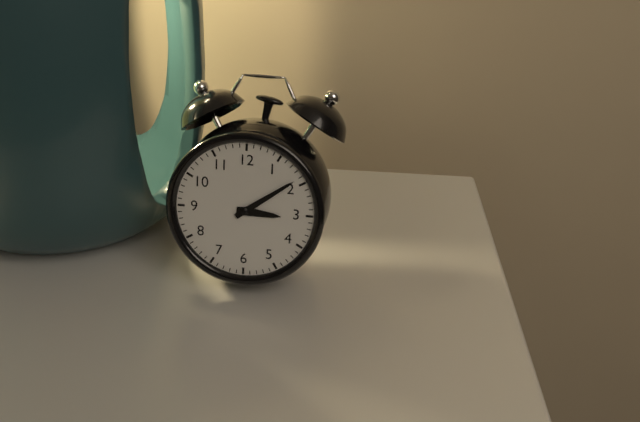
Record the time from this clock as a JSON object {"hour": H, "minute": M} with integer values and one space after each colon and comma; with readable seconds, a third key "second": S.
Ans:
{"hour": 3, "minute": 9}
